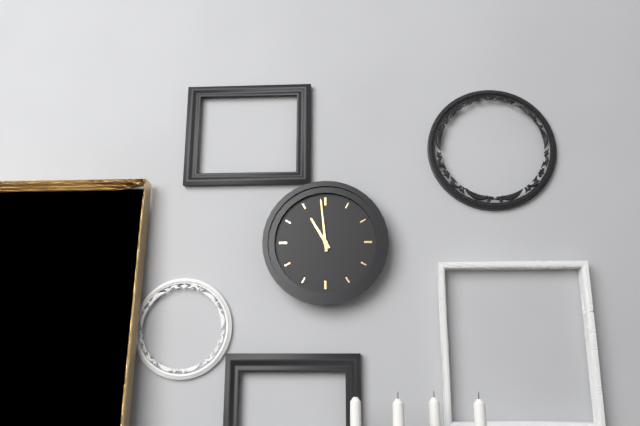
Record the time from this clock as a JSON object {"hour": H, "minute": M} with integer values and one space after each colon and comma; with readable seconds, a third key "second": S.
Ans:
{"hour": 10, "minute": 59}
